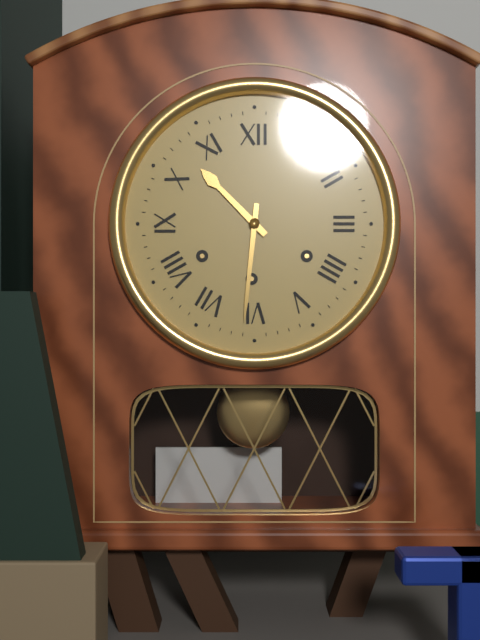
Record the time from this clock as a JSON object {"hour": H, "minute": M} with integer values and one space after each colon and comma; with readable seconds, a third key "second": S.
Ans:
{"hour": 10, "minute": 31}
